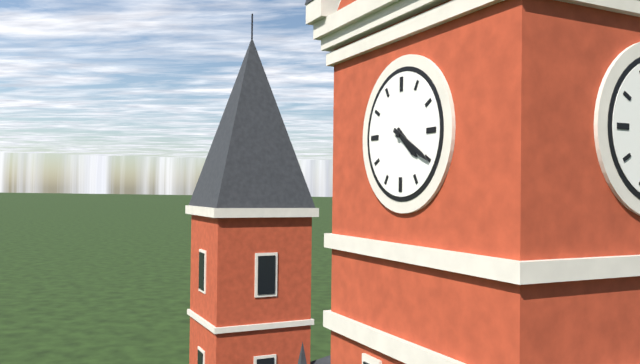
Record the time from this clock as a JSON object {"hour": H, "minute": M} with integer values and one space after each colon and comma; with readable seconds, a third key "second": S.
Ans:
{"hour": 4, "minute": 20}
